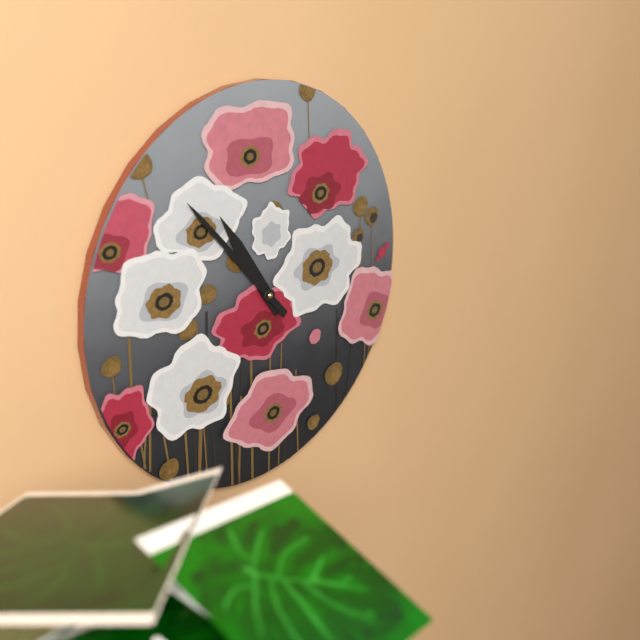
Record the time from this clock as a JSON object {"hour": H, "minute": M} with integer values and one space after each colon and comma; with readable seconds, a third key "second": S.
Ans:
{"hour": 10, "minute": 53}
